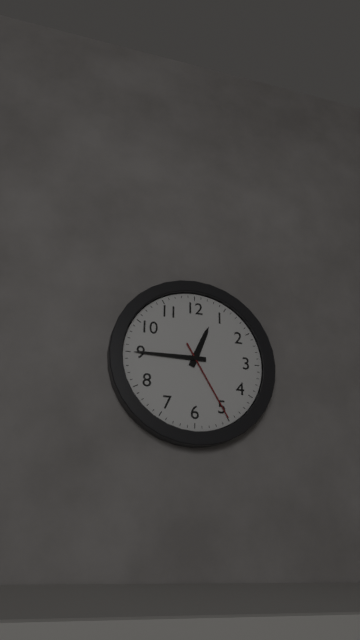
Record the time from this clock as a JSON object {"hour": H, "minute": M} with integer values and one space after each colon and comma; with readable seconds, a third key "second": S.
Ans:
{"hour": 12, "minute": 45, "second": 25}
